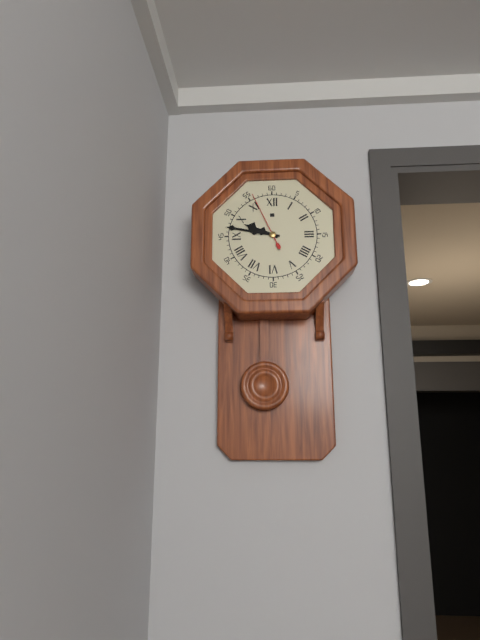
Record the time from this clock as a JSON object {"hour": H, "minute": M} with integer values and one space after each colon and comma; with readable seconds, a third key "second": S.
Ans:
{"hour": 9, "minute": 47, "second": 56}
